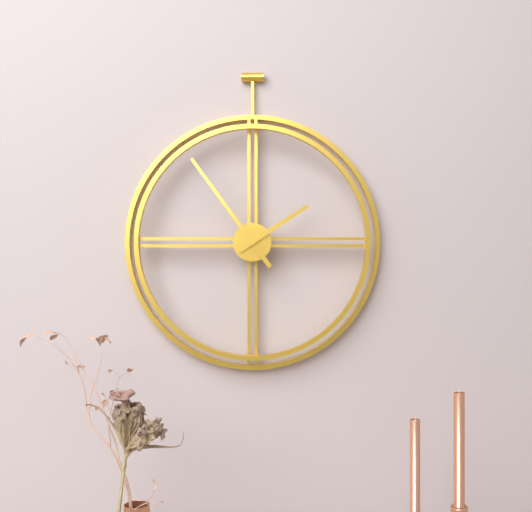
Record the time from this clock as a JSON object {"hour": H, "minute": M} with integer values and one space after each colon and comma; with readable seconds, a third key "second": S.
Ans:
{"hour": 1, "minute": 54}
